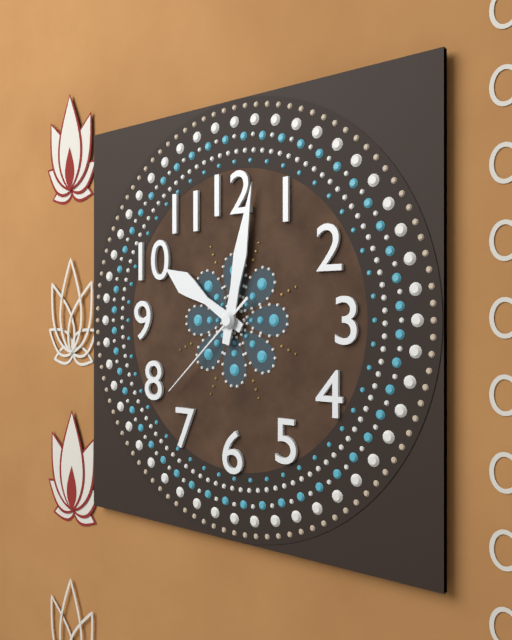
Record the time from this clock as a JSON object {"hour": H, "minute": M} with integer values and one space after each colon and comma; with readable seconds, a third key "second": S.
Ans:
{"hour": 10, "minute": 2, "second": 38}
